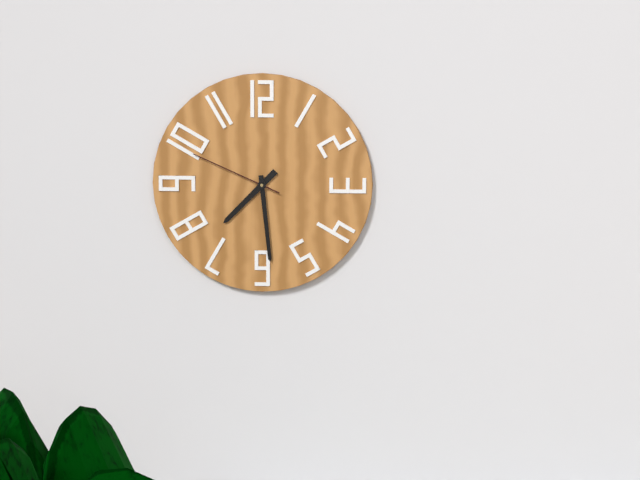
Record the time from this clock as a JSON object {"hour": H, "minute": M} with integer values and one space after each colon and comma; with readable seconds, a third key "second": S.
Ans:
{"hour": 7, "minute": 29, "second": 49}
